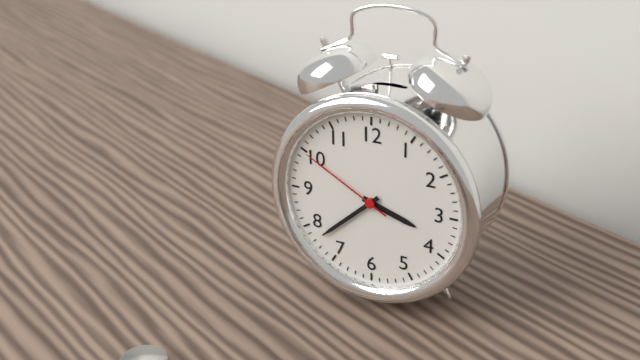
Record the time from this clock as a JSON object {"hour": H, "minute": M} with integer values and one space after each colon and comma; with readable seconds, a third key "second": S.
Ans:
{"hour": 3, "minute": 38, "second": 50}
